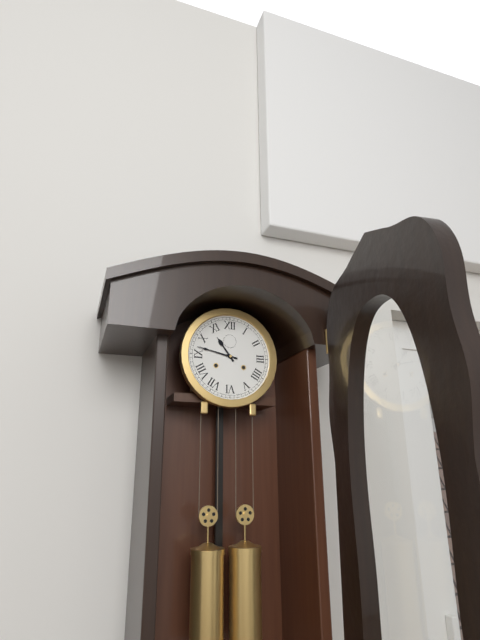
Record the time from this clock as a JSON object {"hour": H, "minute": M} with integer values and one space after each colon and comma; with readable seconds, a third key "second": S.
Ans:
{"hour": 10, "minute": 47}
